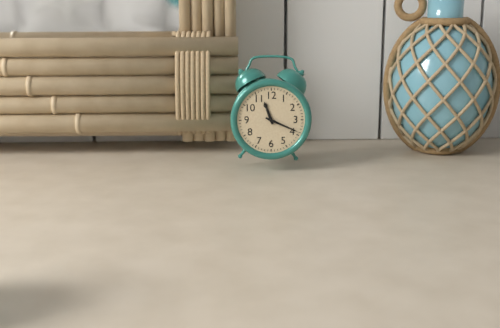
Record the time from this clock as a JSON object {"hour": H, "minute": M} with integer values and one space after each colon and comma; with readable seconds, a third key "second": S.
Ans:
{"hour": 11, "minute": 19}
